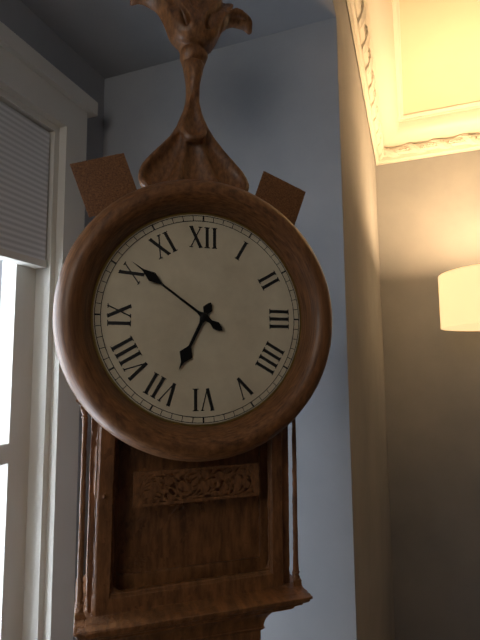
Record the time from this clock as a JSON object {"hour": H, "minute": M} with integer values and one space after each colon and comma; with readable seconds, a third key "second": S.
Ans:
{"hour": 6, "minute": 51}
